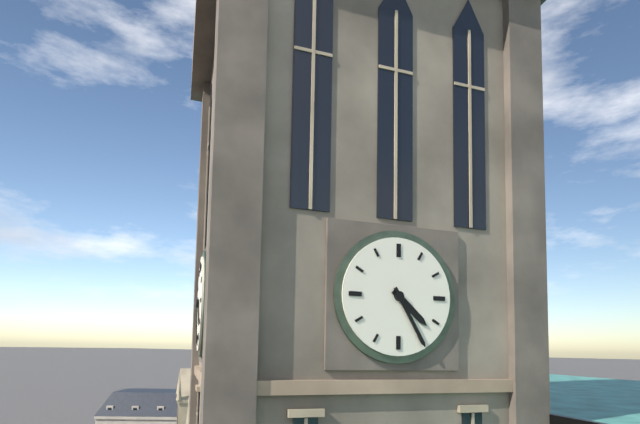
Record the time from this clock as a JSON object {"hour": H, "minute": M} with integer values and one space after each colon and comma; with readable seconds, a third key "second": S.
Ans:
{"hour": 4, "minute": 25}
